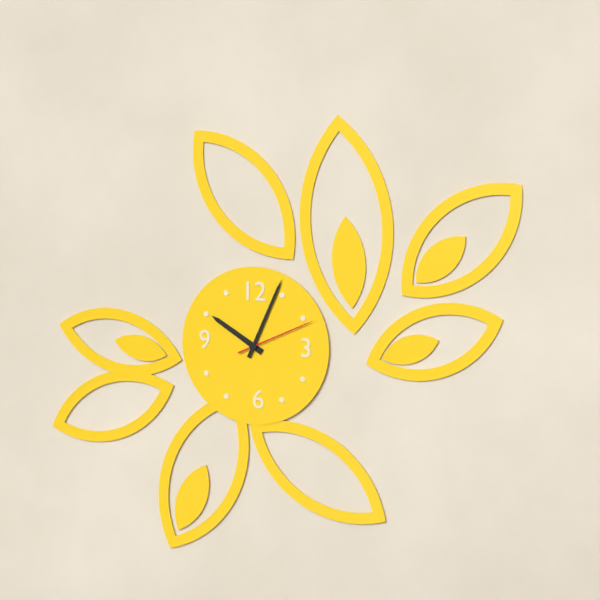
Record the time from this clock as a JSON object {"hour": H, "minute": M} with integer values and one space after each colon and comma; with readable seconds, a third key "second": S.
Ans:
{"hour": 10, "minute": 4, "second": 11}
